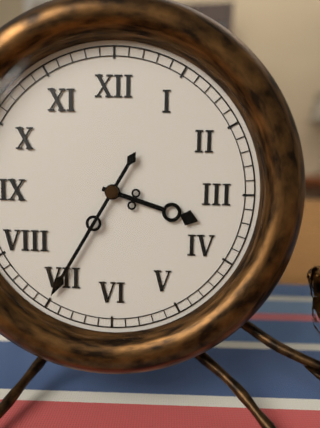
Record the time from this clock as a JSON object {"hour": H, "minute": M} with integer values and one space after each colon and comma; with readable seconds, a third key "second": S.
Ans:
{"hour": 3, "minute": 35}
